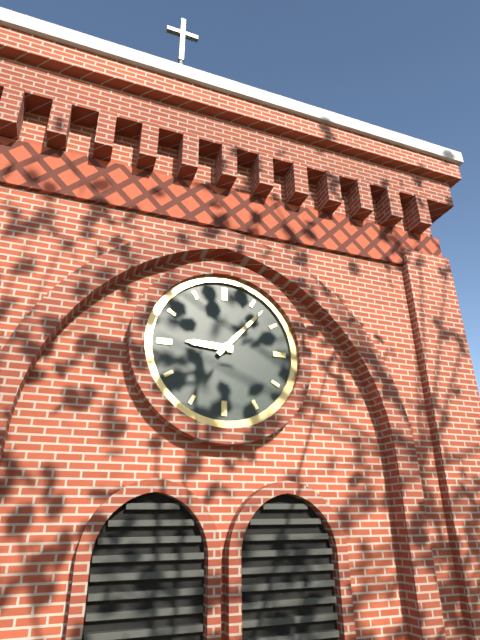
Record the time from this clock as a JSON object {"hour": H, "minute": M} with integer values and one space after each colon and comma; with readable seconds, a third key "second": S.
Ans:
{"hour": 9, "minute": 7}
